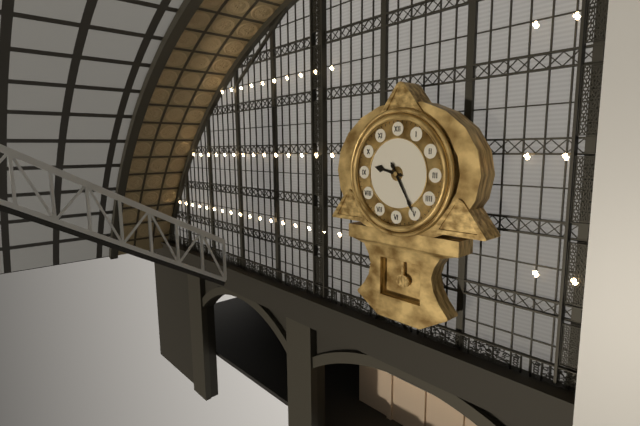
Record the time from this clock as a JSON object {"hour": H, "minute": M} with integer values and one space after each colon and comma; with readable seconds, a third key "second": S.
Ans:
{"hour": 9, "minute": 25}
